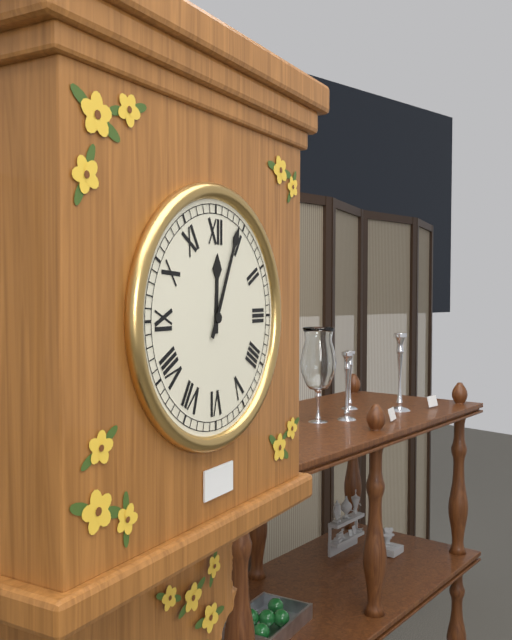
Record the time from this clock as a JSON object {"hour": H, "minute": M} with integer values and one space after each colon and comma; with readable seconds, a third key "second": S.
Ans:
{"hour": 12, "minute": 4}
